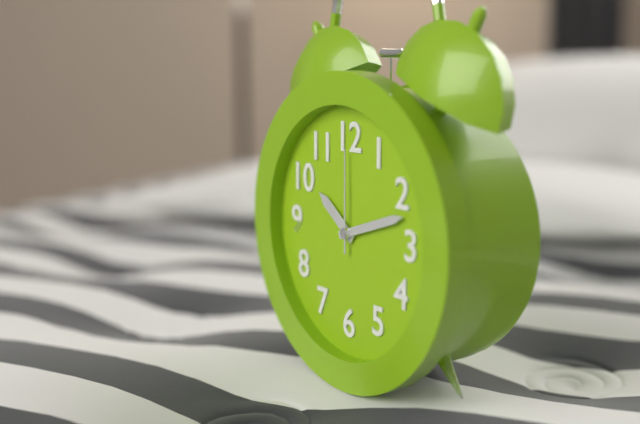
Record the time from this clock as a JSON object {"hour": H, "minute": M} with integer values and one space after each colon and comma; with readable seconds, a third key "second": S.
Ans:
{"hour": 10, "minute": 12, "second": 0}
